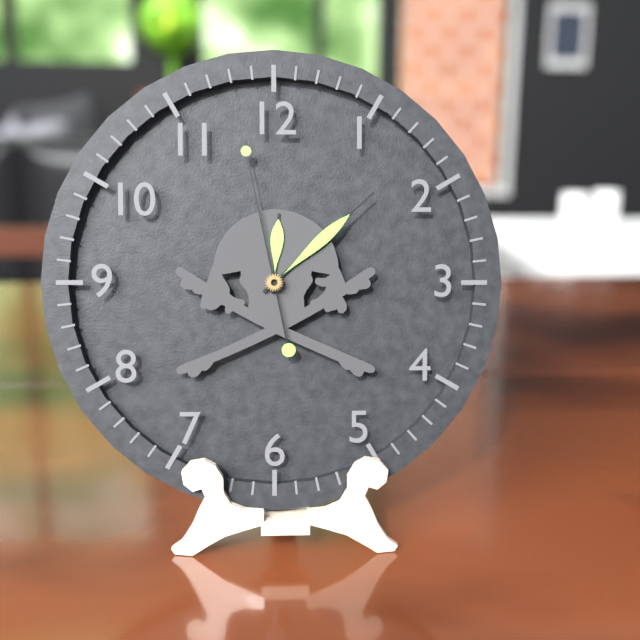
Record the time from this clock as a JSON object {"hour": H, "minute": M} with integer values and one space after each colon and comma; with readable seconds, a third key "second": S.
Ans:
{"hour": 12, "minute": 8, "second": 58}
